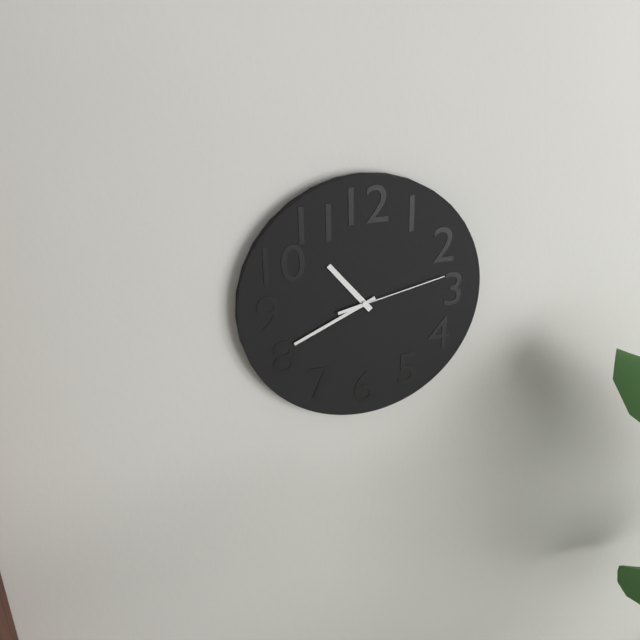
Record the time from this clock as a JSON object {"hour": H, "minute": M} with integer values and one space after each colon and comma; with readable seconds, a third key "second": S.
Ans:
{"hour": 10, "minute": 41, "second": 13}
